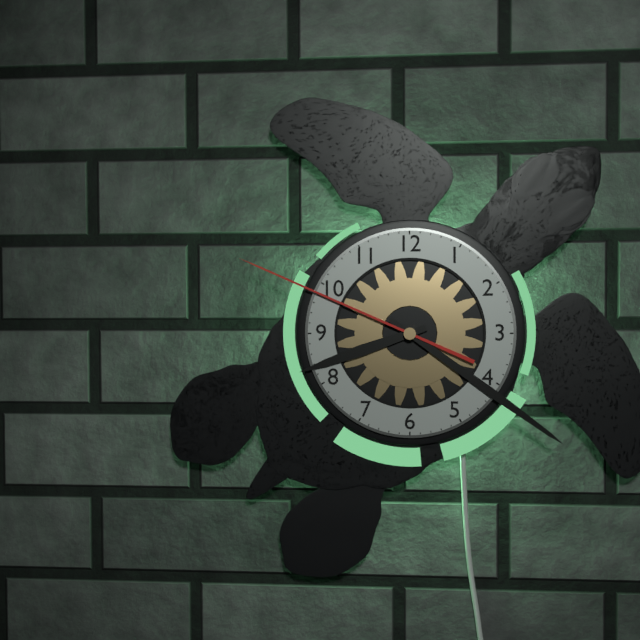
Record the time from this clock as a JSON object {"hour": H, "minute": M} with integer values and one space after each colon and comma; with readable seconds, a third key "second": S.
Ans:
{"hour": 8, "minute": 21, "second": 49}
